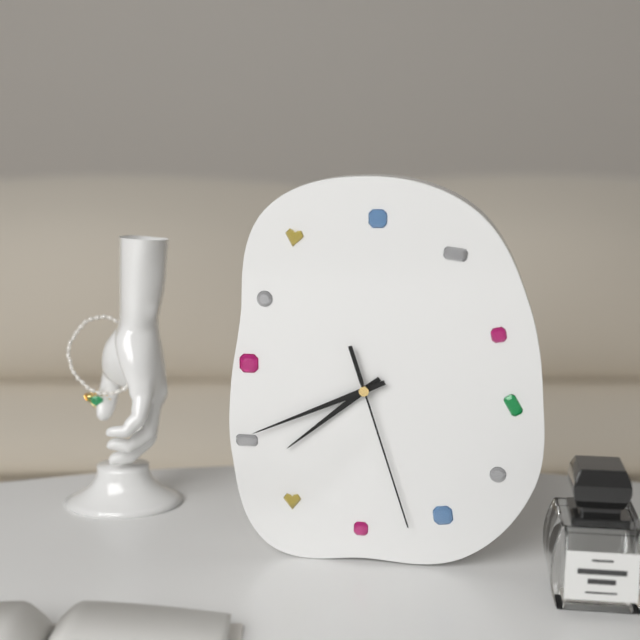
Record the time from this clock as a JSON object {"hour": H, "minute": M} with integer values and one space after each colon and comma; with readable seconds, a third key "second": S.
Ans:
{"hour": 7, "minute": 41, "second": 27}
